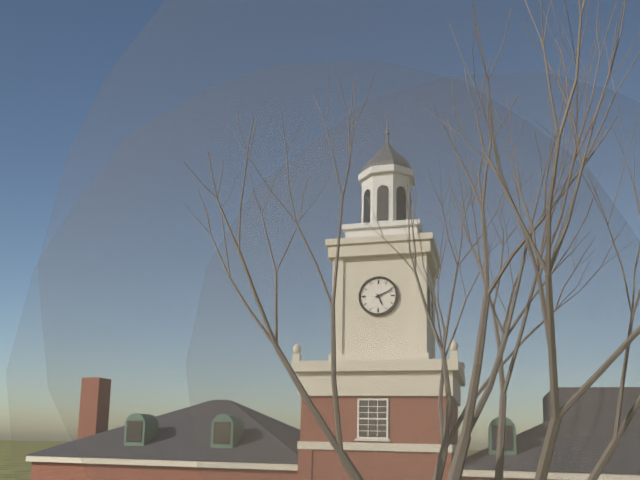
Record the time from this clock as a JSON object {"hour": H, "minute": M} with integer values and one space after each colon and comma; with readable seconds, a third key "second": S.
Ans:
{"hour": 5, "minute": 11}
